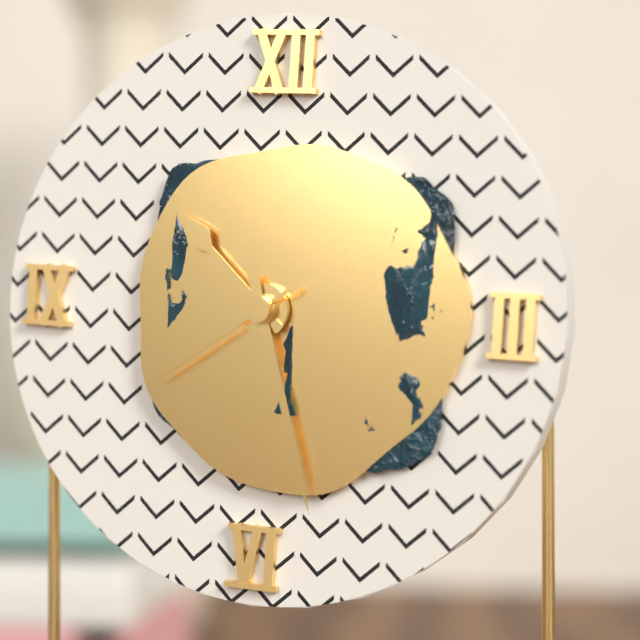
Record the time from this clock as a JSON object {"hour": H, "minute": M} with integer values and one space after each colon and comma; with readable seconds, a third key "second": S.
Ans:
{"hour": 10, "minute": 27, "second": 39}
